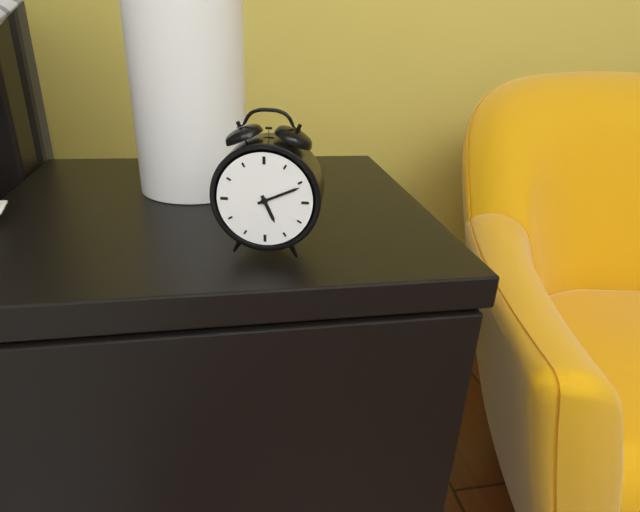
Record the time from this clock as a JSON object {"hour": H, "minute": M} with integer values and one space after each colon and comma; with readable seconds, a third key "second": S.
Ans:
{"hour": 5, "minute": 11}
